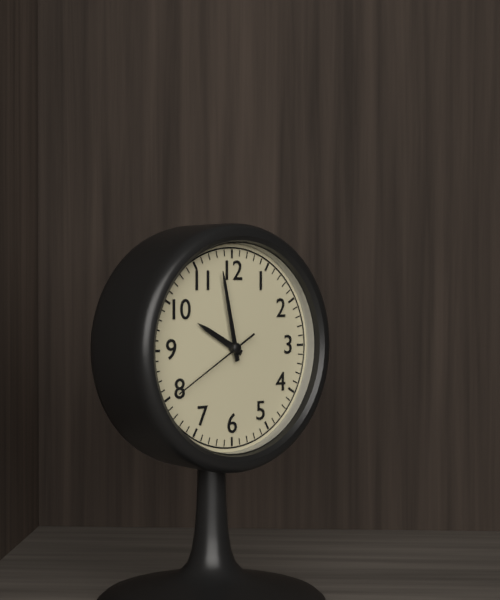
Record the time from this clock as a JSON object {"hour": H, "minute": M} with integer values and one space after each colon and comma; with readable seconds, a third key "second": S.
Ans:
{"hour": 9, "minute": 58, "second": 40}
